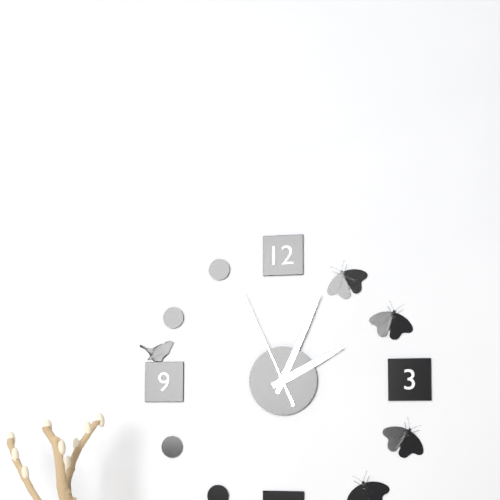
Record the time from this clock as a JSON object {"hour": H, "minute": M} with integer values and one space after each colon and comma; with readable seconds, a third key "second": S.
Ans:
{"hour": 2, "minute": 4, "second": 56}
